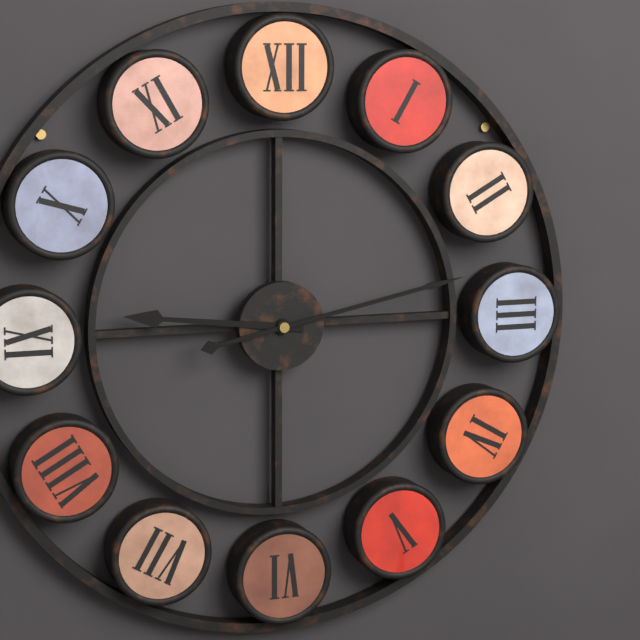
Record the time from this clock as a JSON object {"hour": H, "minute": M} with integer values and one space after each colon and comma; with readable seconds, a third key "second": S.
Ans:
{"hour": 9, "minute": 13}
